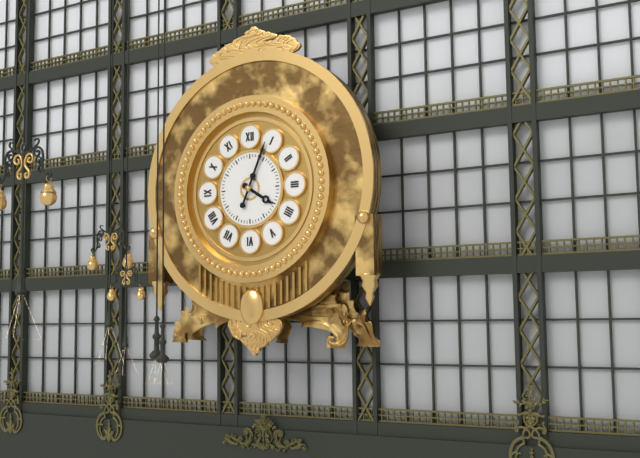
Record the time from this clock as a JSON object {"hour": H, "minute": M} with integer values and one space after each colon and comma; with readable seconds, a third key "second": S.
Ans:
{"hour": 4, "minute": 4}
